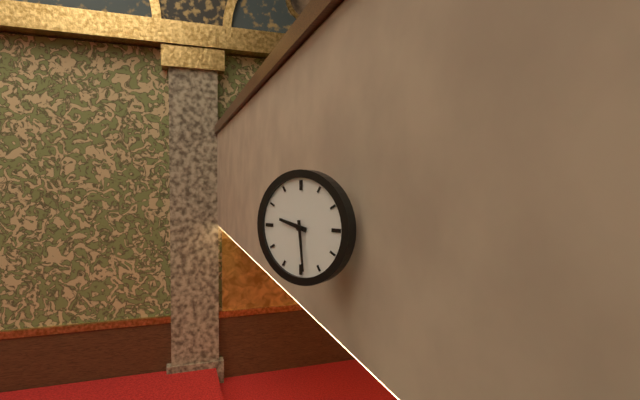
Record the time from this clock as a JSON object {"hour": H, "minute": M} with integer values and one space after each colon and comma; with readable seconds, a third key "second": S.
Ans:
{"hour": 9, "minute": 29}
